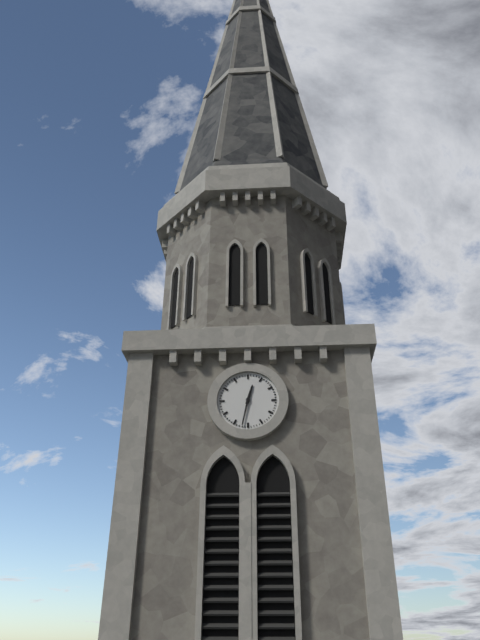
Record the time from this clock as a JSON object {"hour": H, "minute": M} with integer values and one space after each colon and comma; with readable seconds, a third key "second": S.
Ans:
{"hour": 12, "minute": 32}
